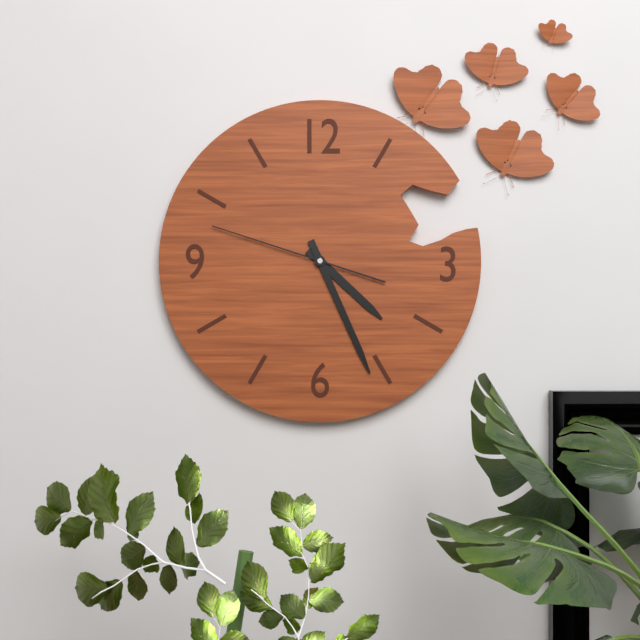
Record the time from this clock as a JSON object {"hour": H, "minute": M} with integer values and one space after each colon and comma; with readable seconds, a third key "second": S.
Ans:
{"hour": 4, "minute": 26, "second": 48}
